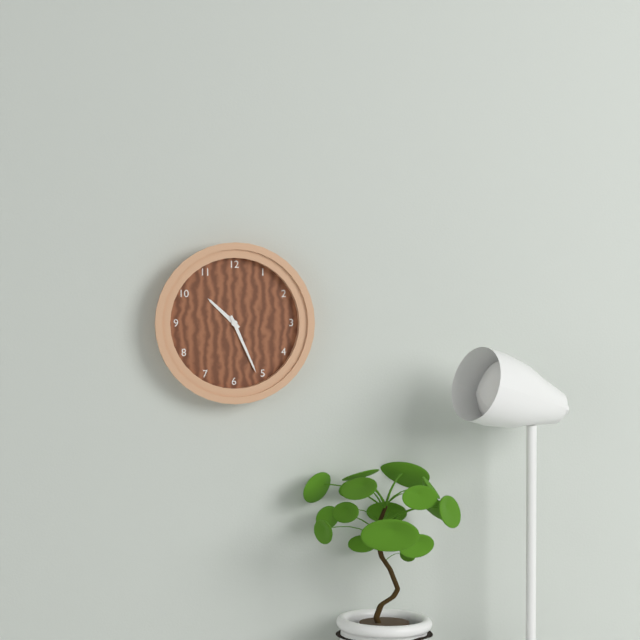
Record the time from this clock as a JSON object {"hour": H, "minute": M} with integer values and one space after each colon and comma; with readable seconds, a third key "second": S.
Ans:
{"hour": 10, "minute": 26}
